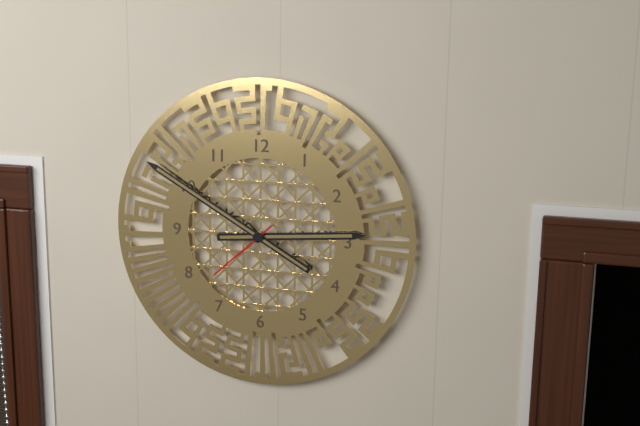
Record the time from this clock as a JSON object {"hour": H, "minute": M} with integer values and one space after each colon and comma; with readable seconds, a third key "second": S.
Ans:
{"hour": 2, "minute": 50, "second": 38}
